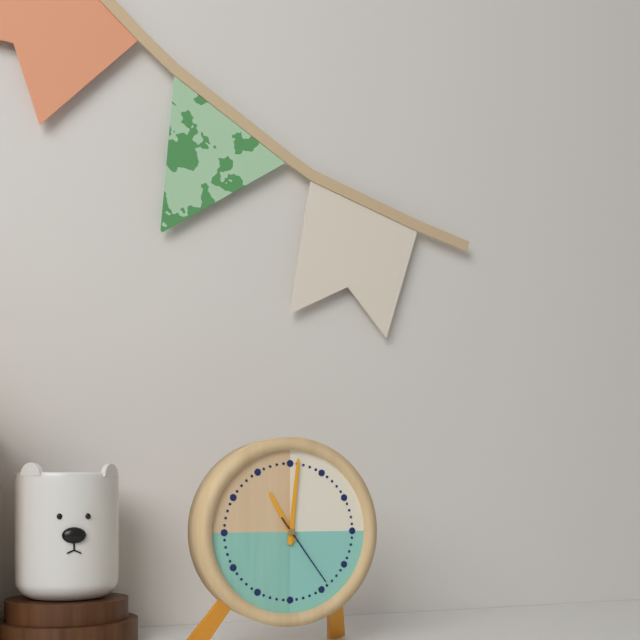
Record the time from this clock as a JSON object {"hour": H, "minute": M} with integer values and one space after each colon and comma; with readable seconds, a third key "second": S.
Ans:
{"hour": 11, "minute": 1, "second": 24}
